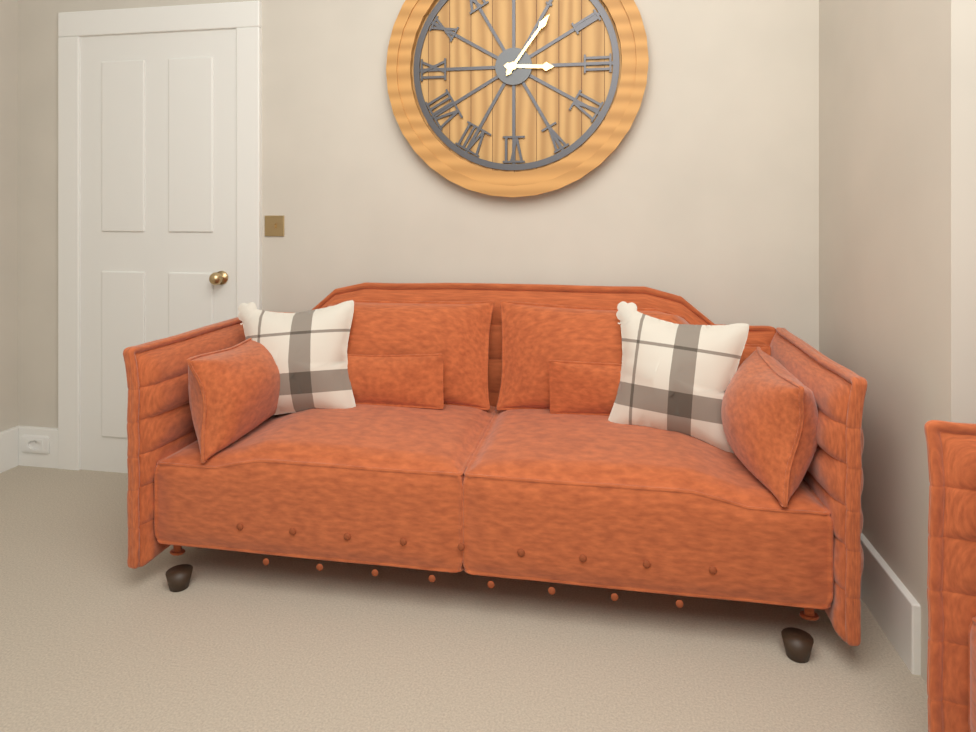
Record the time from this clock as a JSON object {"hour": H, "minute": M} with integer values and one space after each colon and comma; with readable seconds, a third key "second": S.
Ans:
{"hour": 3, "minute": 6}
